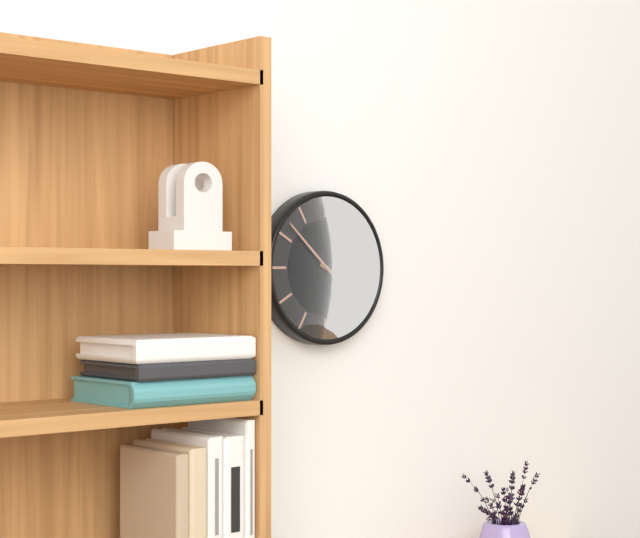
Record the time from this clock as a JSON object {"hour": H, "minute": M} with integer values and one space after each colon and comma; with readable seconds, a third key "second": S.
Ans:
{"hour": 3, "minute": 52}
